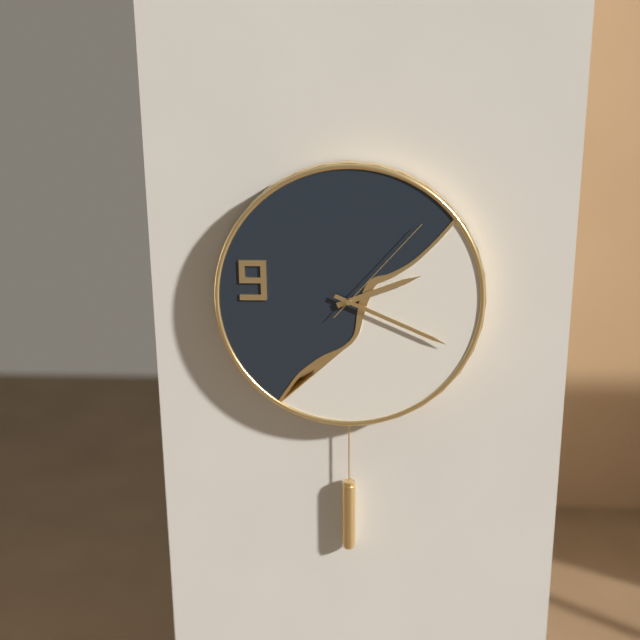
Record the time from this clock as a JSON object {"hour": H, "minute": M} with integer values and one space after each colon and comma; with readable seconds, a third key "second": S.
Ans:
{"hour": 2, "minute": 19, "second": 7}
